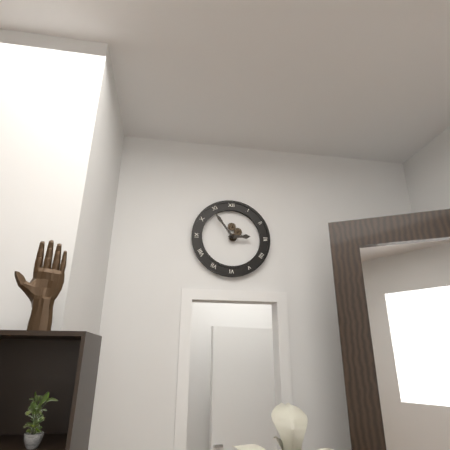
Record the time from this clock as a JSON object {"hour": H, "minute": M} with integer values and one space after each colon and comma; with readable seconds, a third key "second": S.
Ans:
{"hour": 2, "minute": 54}
